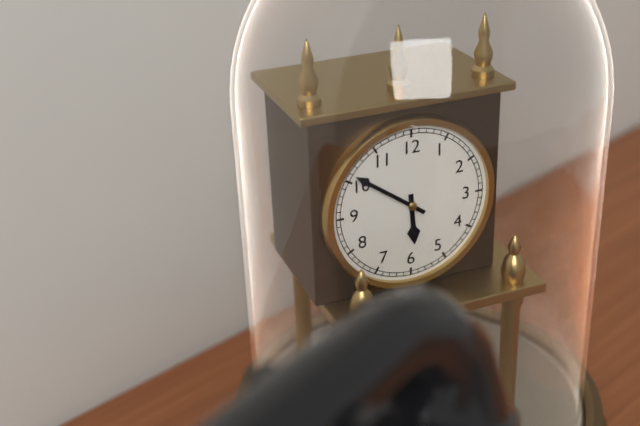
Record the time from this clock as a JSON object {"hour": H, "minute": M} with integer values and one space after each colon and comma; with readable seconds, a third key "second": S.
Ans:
{"hour": 5, "minute": 51}
